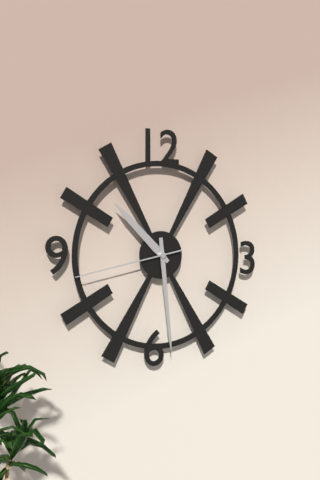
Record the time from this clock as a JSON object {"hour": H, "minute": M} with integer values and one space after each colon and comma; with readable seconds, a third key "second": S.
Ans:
{"hour": 10, "minute": 29, "second": 43}
